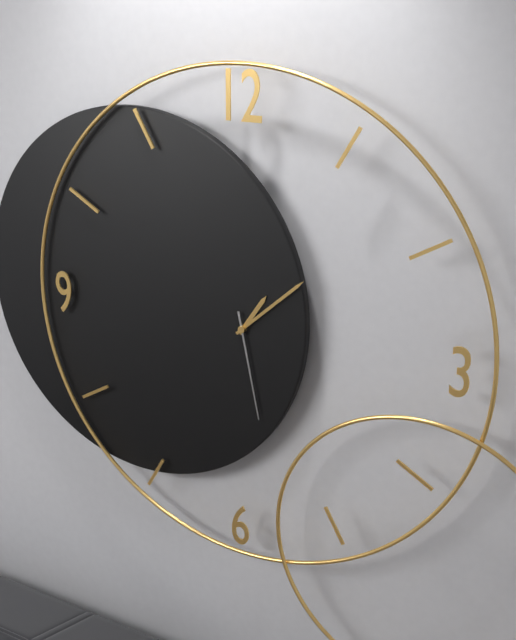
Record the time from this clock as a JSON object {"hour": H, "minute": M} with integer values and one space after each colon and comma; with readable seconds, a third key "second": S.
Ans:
{"hour": 1, "minute": 8, "second": 28}
